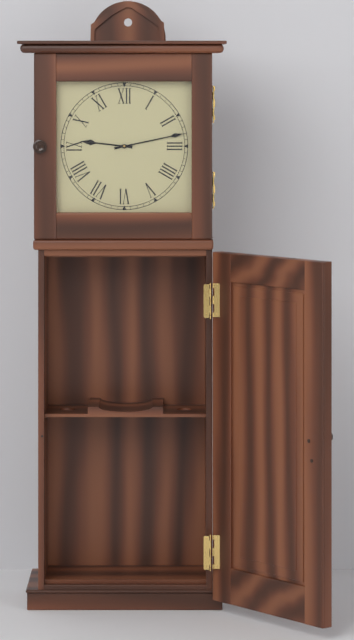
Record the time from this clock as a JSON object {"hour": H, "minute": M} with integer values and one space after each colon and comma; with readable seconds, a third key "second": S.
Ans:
{"hour": 9, "minute": 13}
